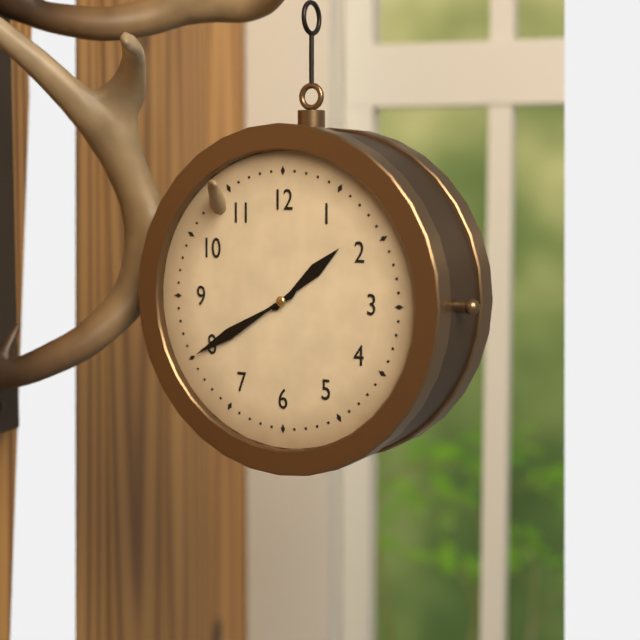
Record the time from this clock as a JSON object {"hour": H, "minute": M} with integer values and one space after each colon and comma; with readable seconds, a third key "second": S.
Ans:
{"hour": 1, "minute": 40}
